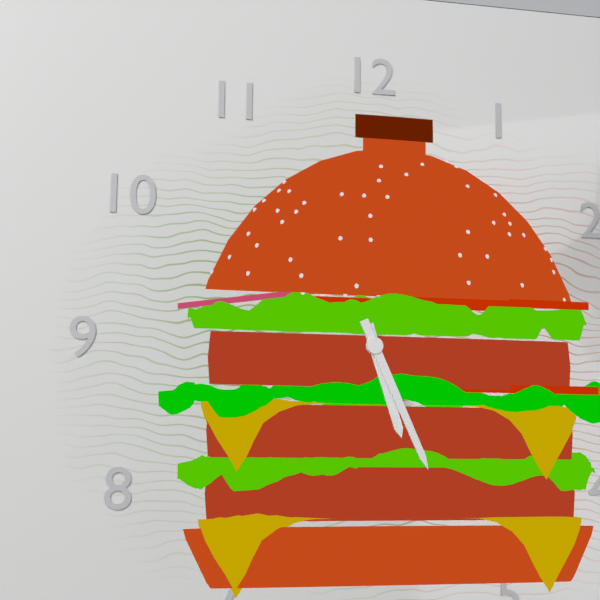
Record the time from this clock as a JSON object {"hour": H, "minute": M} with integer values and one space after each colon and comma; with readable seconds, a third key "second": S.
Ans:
{"hour": 5, "minute": 26}
